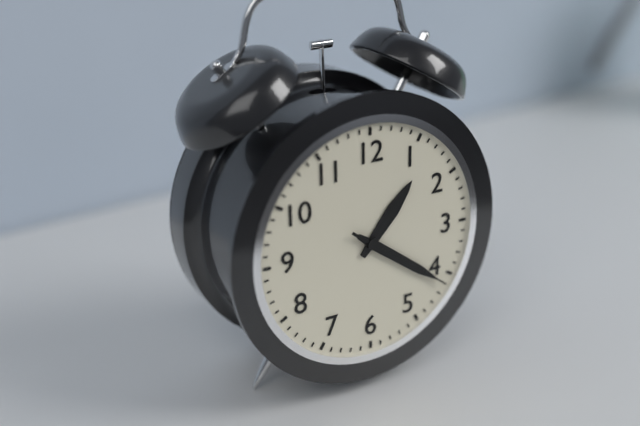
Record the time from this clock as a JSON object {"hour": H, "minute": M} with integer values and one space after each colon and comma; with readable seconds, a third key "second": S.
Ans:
{"hour": 1, "minute": 21, "second": 21}
